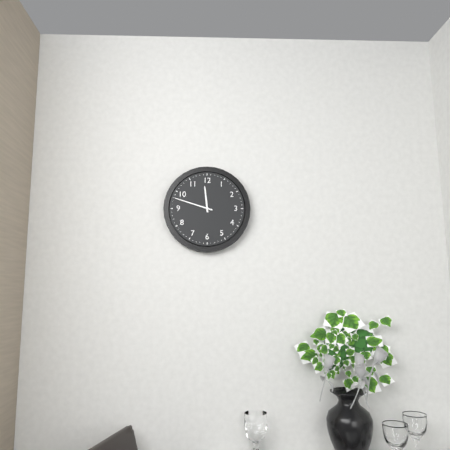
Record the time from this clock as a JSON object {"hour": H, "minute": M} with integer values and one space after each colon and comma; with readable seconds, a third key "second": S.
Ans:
{"hour": 11, "minute": 48}
